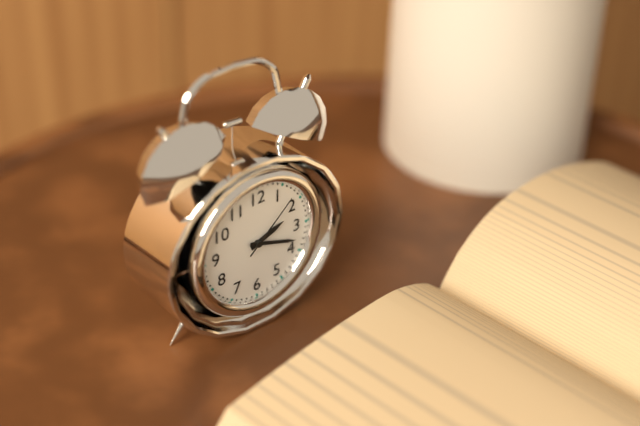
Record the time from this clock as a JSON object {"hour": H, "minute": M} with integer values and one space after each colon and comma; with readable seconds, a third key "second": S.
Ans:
{"hour": 2, "minute": 18, "second": 8}
